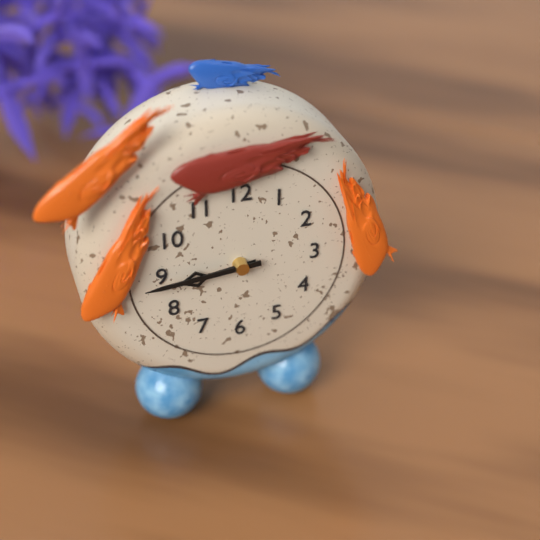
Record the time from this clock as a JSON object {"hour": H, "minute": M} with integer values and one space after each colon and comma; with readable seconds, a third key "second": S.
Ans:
{"hour": 8, "minute": 44}
